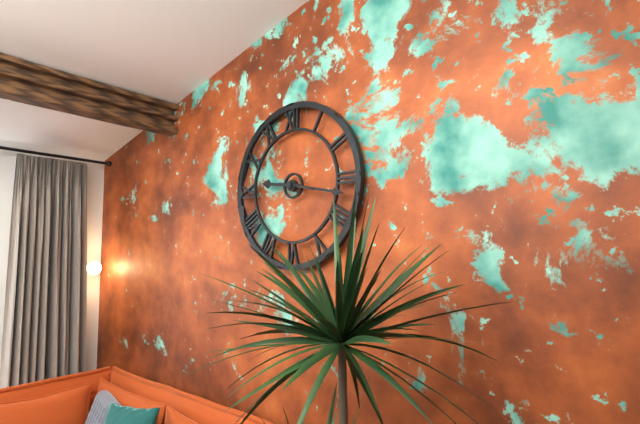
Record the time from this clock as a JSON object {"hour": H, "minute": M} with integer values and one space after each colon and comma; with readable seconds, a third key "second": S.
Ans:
{"hour": 9, "minute": 17}
